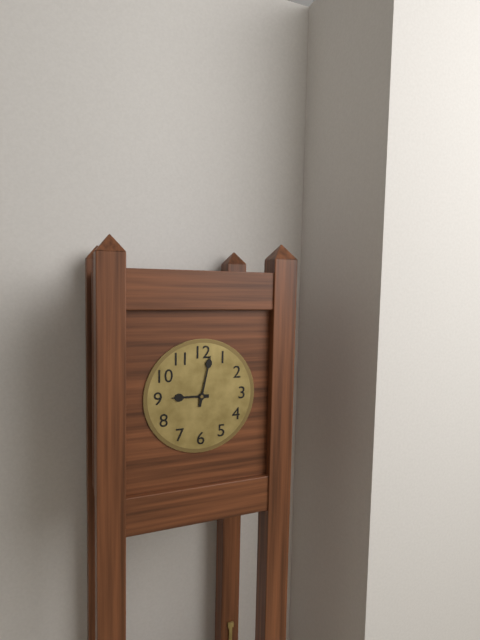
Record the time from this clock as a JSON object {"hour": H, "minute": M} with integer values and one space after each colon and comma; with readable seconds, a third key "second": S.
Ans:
{"hour": 9, "minute": 2}
